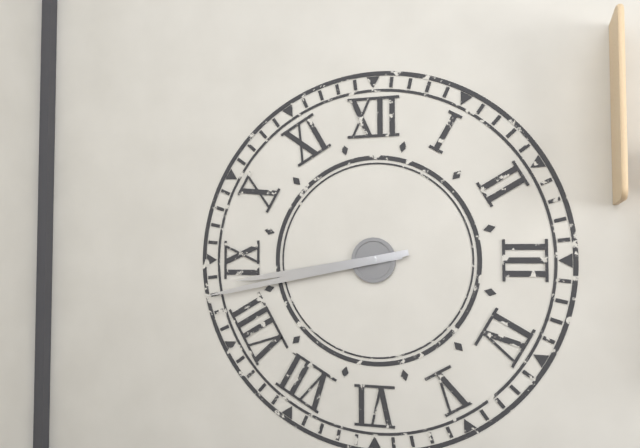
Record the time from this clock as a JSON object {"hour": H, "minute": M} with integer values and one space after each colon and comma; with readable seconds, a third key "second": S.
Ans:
{"hour": 8, "minute": 43}
